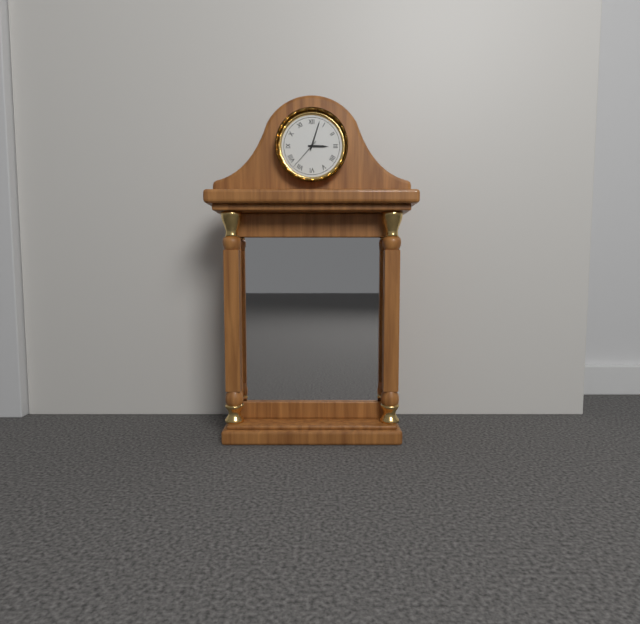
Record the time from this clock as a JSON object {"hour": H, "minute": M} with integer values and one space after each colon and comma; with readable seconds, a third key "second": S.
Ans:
{"hour": 3, "minute": 3}
